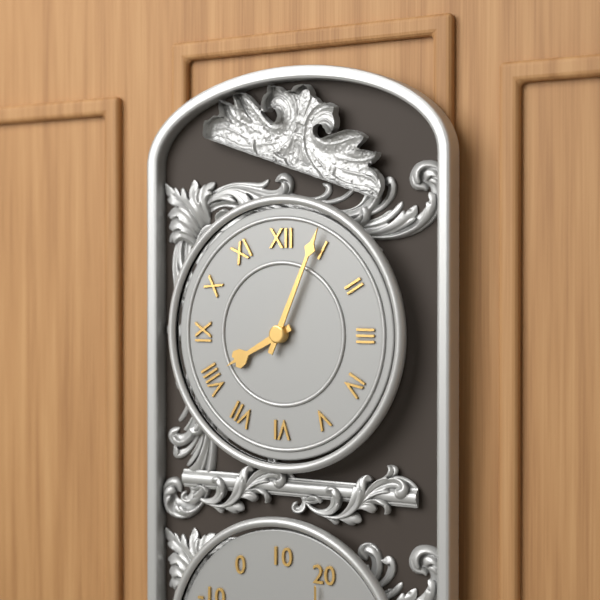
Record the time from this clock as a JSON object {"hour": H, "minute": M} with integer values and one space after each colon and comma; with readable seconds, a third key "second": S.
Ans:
{"hour": 8, "minute": 4}
